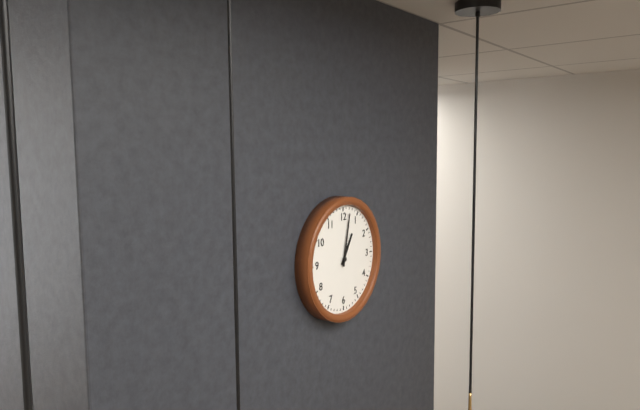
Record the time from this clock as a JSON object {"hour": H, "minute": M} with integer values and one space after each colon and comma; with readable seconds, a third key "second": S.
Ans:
{"hour": 1, "minute": 2}
